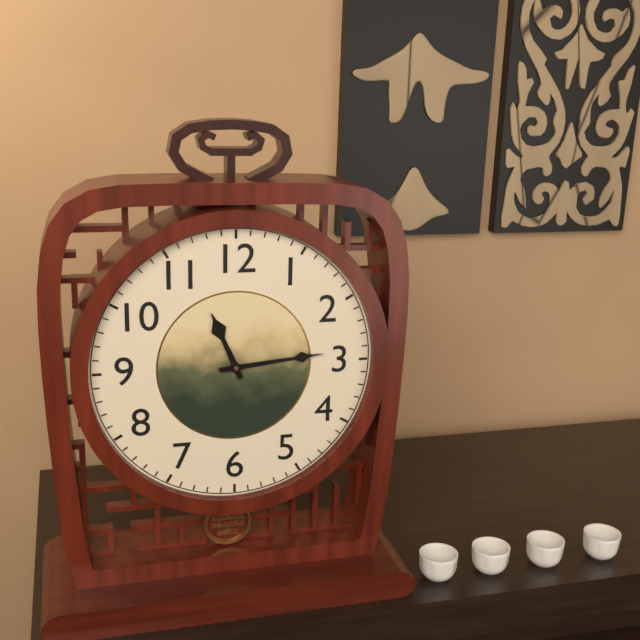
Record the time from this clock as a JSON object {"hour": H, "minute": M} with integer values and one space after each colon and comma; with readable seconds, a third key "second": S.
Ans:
{"hour": 11, "minute": 14}
